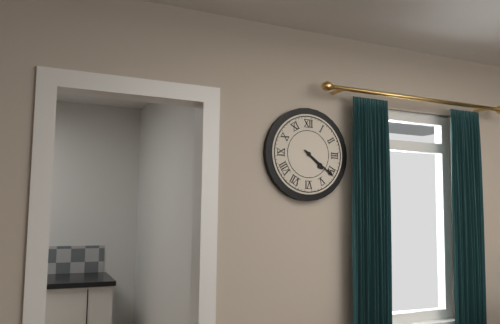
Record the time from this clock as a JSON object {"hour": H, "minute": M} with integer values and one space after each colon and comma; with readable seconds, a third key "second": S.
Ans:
{"hour": 4, "minute": 21}
